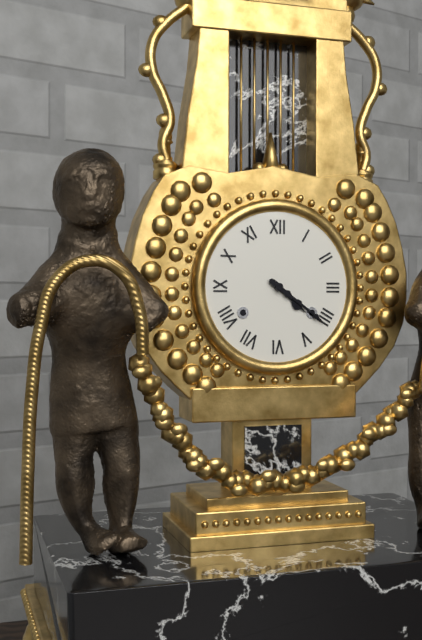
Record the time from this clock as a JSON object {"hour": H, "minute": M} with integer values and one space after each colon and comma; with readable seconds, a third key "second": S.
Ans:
{"hour": 4, "minute": 21}
